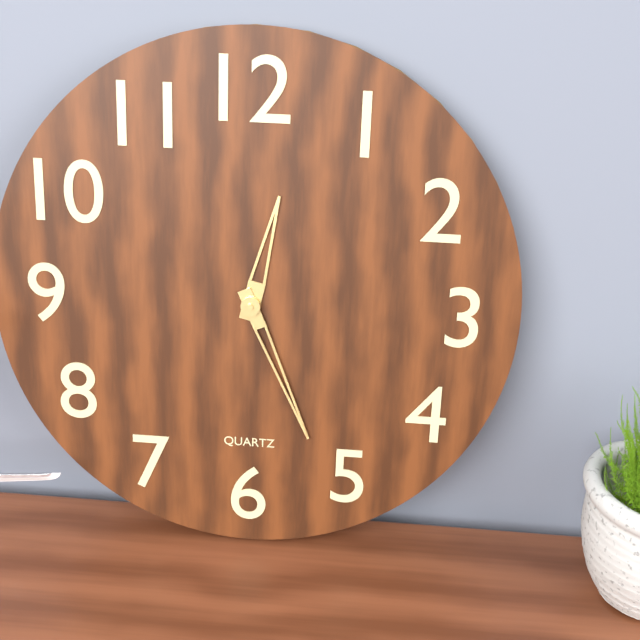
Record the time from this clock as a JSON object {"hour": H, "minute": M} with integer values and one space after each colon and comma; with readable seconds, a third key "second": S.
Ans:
{"hour": 12, "minute": 26}
